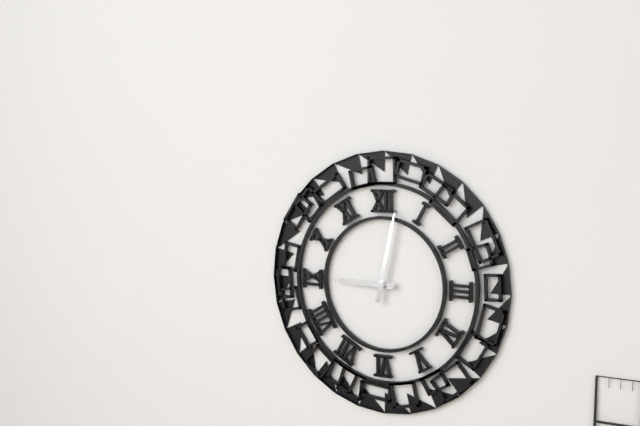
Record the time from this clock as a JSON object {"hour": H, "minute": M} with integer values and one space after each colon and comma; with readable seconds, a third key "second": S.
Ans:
{"hour": 9, "minute": 2}
